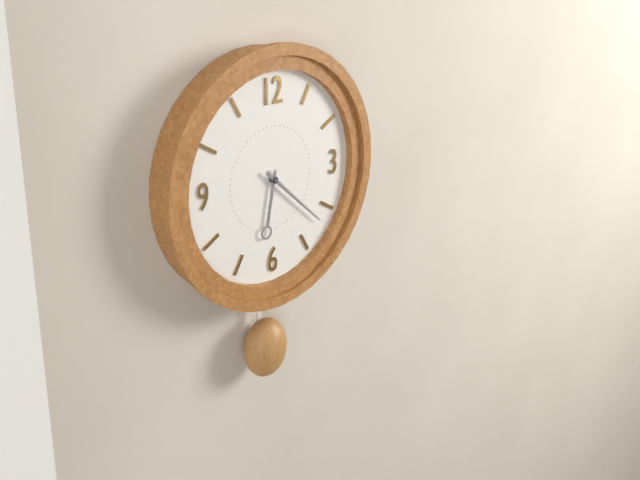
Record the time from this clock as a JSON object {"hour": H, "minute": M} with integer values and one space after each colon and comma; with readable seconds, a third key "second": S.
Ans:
{"hour": 6, "minute": 22}
